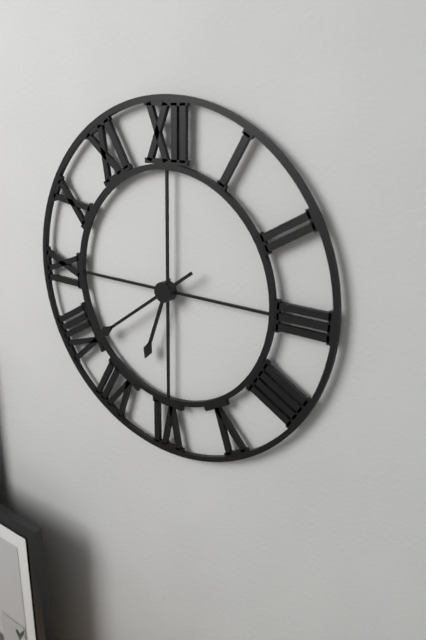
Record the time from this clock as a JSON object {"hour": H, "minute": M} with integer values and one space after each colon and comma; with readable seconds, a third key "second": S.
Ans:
{"hour": 6, "minute": 39}
